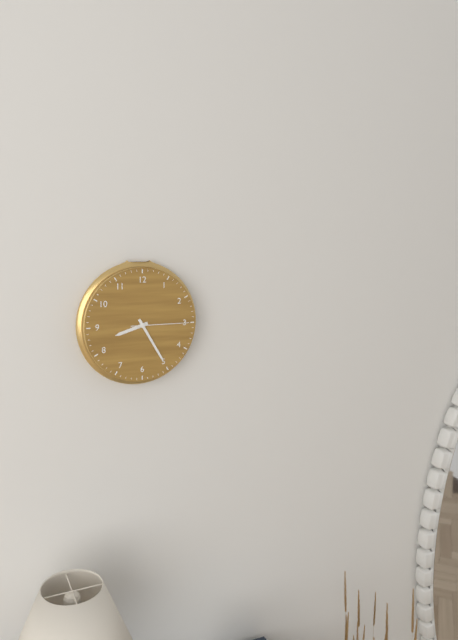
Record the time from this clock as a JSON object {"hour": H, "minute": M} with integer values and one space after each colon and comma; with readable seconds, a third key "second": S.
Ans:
{"hour": 8, "minute": 25, "second": 15}
